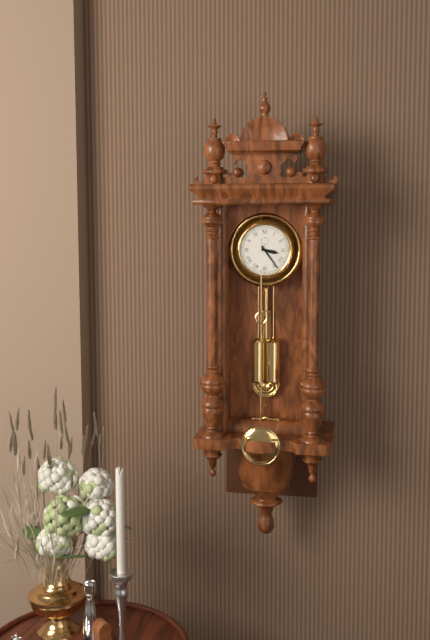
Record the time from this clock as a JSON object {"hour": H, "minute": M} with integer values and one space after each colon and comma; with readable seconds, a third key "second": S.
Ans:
{"hour": 3, "minute": 24}
